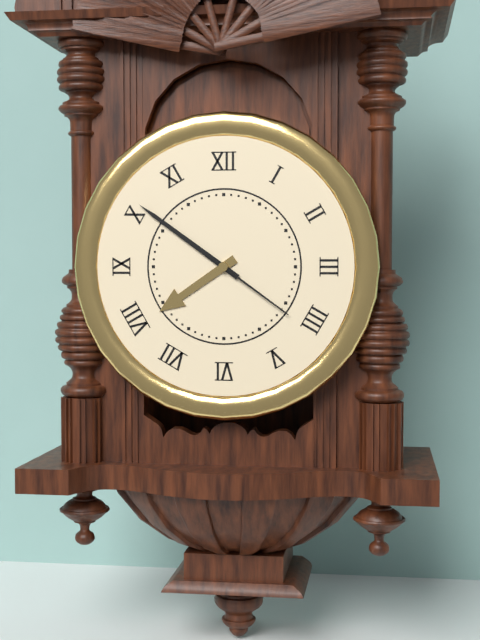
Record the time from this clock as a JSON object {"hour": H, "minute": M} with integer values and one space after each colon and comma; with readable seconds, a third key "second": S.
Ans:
{"hour": 7, "minute": 51, "second": 21}
